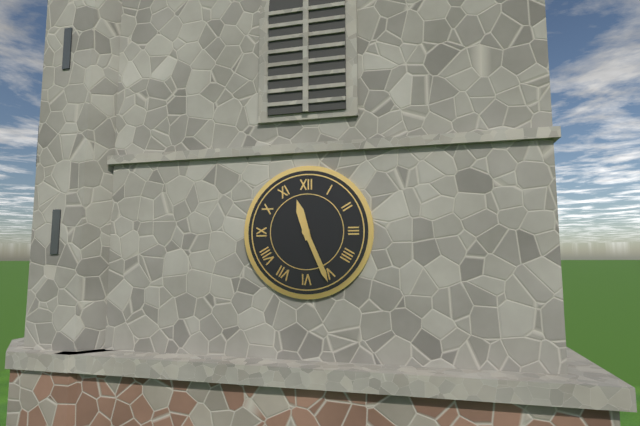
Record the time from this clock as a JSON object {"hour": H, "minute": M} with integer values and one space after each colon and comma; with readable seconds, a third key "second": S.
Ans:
{"hour": 11, "minute": 26}
